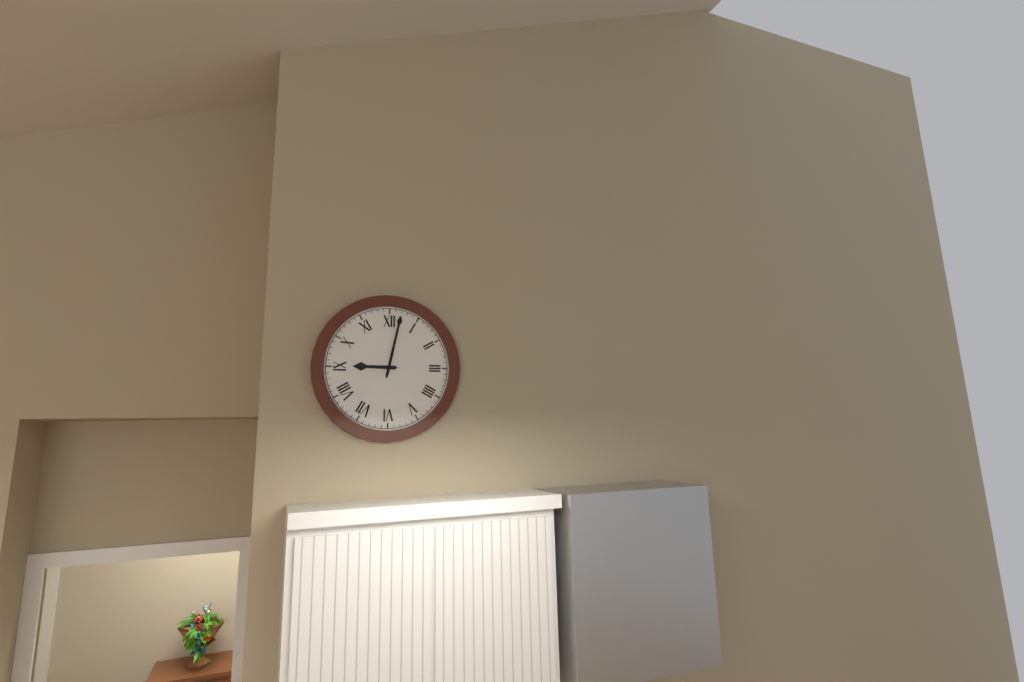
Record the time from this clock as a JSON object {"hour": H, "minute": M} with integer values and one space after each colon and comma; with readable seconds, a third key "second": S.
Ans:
{"hour": 9, "minute": 2}
